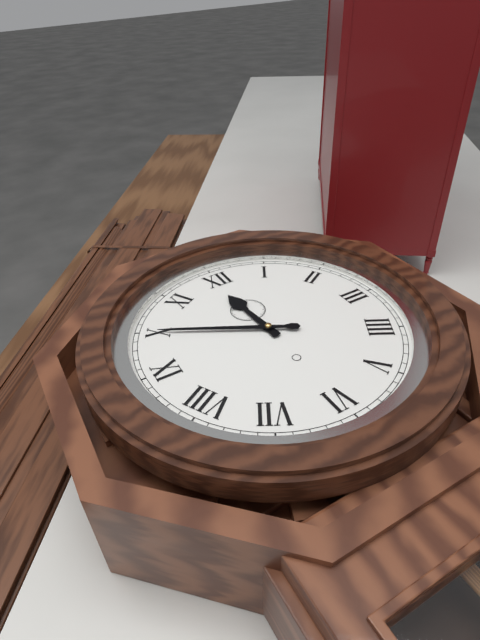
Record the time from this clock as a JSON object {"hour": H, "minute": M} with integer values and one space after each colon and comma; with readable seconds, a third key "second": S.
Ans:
{"hour": 11, "minute": 50}
